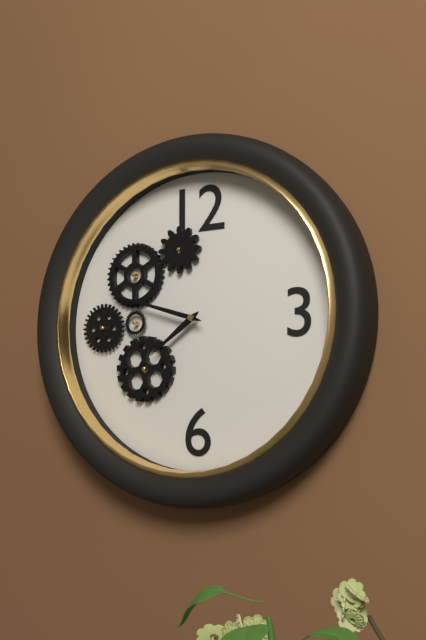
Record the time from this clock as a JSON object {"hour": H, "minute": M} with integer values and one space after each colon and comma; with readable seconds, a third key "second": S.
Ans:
{"hour": 7, "minute": 48}
